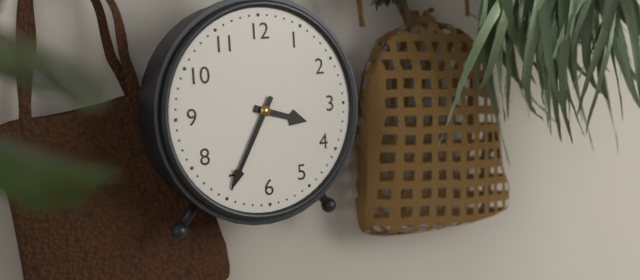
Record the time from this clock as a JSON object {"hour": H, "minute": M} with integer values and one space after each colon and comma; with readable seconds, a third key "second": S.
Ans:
{"hour": 3, "minute": 35}
